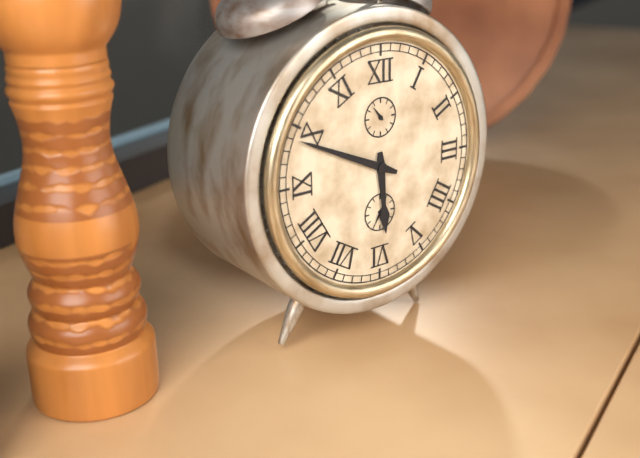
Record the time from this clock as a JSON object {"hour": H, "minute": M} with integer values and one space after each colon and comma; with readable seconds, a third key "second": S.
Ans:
{"hour": 5, "minute": 49}
